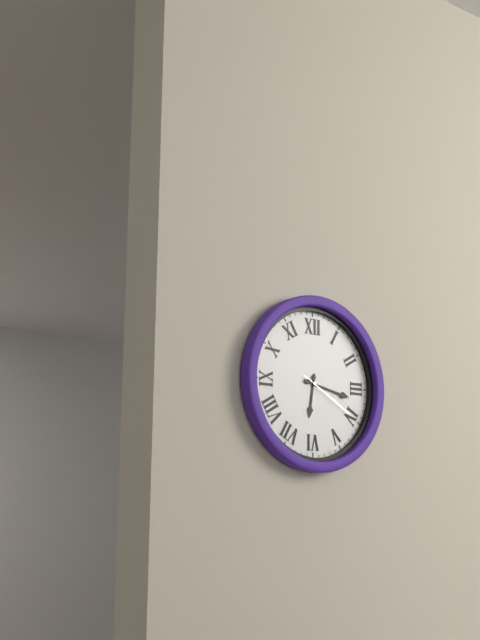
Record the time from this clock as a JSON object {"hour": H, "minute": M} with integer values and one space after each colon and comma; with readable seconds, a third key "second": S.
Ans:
{"hour": 6, "minute": 17, "second": 20}
